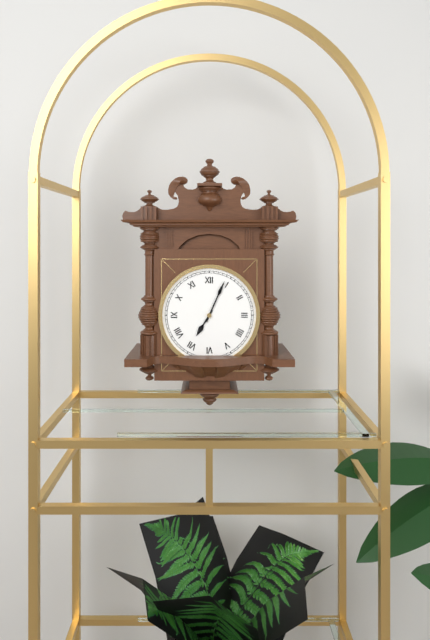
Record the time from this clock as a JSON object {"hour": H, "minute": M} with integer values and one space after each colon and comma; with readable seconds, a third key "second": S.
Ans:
{"hour": 7, "minute": 4}
